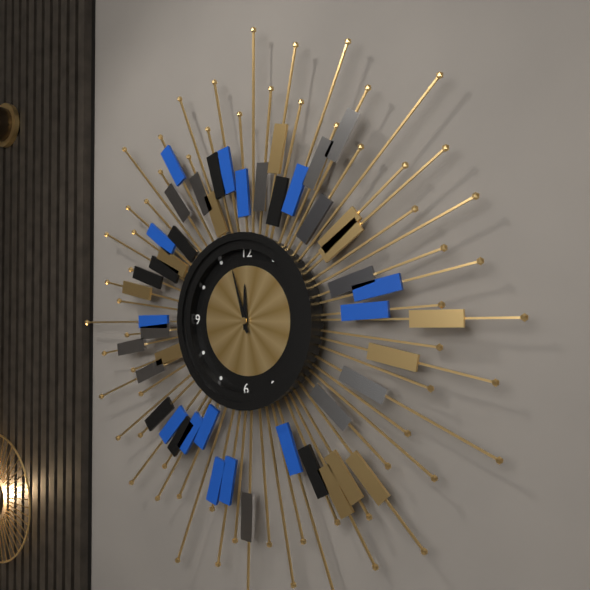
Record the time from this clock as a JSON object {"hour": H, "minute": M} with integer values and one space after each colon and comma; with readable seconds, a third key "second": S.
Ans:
{"hour": 11, "minute": 57}
